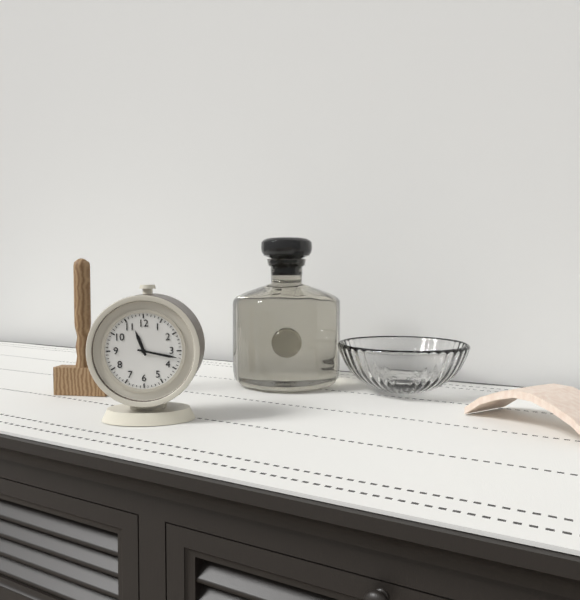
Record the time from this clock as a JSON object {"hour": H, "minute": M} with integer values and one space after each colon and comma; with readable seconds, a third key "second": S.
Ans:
{"hour": 11, "minute": 17}
